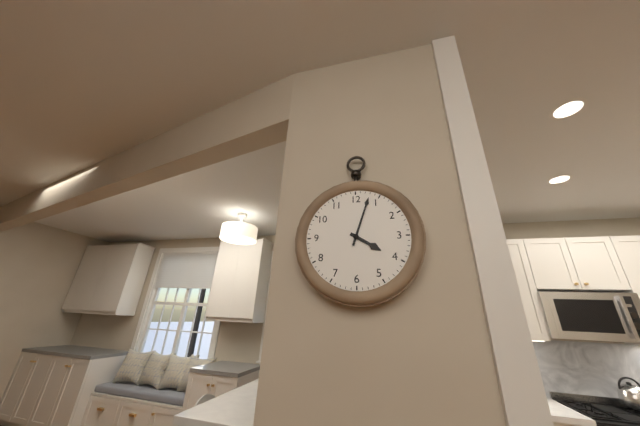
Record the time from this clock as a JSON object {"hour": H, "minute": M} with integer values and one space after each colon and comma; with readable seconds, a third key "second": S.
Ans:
{"hour": 4, "minute": 3}
